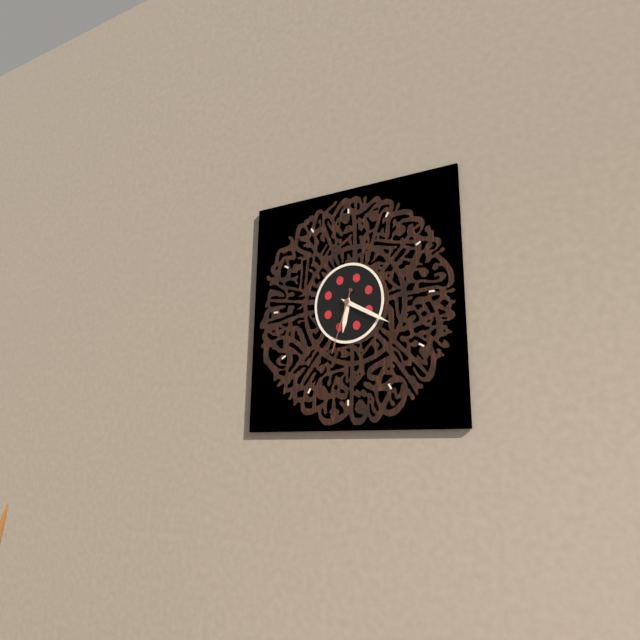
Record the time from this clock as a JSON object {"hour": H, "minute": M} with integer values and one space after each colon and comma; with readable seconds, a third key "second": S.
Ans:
{"hour": 6, "minute": 20, "second": 33}
